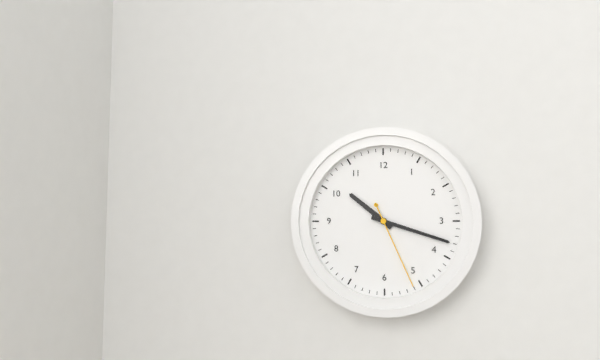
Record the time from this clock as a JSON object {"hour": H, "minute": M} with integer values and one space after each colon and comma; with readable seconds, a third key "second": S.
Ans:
{"hour": 10, "minute": 18, "second": 26}
